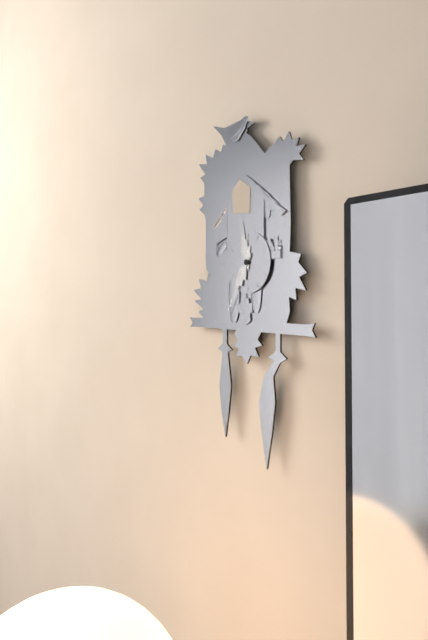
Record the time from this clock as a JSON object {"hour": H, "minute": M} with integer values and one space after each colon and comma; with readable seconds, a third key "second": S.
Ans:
{"hour": 11, "minute": 35}
